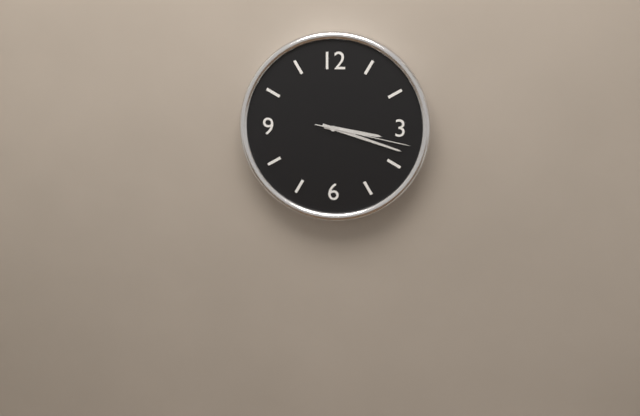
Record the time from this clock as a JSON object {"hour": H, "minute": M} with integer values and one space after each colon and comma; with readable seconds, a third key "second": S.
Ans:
{"hour": 3, "minute": 18, "second": 17}
